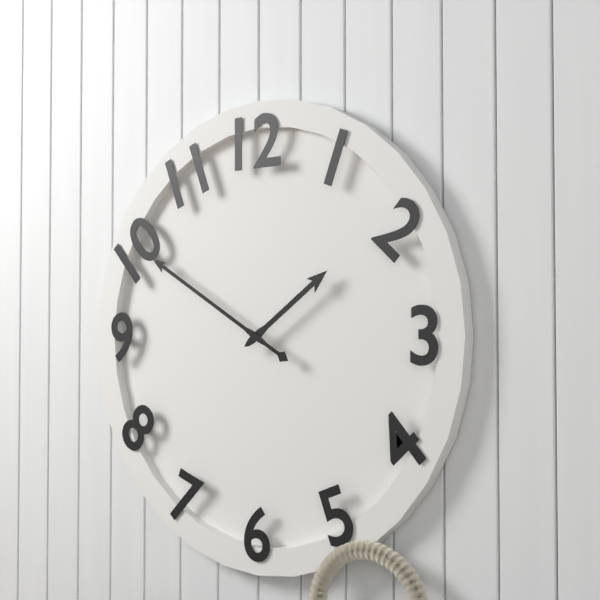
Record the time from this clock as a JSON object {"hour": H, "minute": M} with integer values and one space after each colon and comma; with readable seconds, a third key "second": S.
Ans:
{"hour": 1, "minute": 50}
